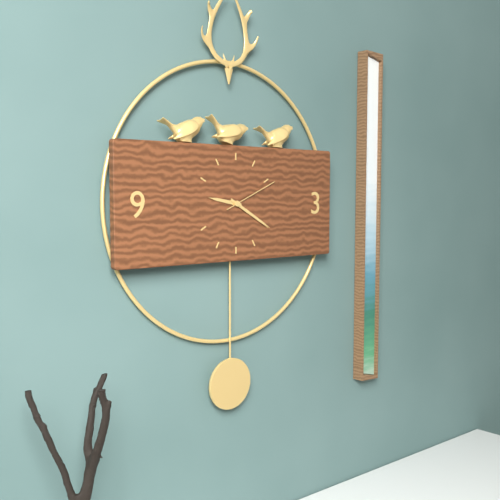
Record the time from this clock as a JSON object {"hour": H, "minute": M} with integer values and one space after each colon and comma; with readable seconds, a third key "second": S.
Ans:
{"hour": 9, "minute": 20, "second": 11}
